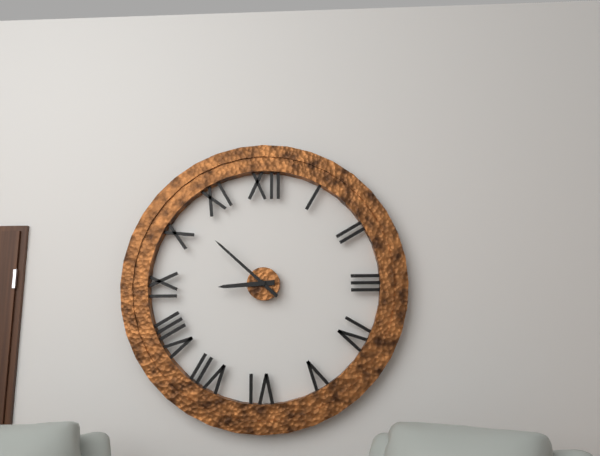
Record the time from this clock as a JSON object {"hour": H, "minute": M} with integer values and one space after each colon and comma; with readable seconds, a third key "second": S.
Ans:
{"hour": 8, "minute": 52}
